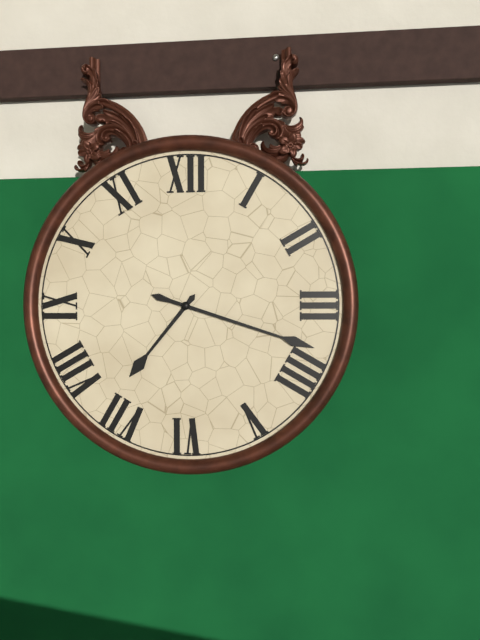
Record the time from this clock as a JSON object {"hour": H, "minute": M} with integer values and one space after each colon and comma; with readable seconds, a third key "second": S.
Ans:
{"hour": 7, "minute": 18}
